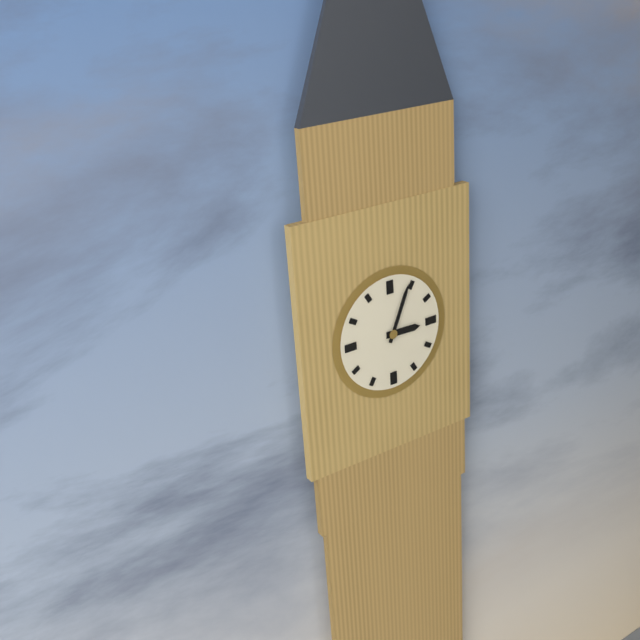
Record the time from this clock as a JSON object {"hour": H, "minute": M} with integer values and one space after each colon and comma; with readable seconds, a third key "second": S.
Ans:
{"hour": 3, "minute": 4}
